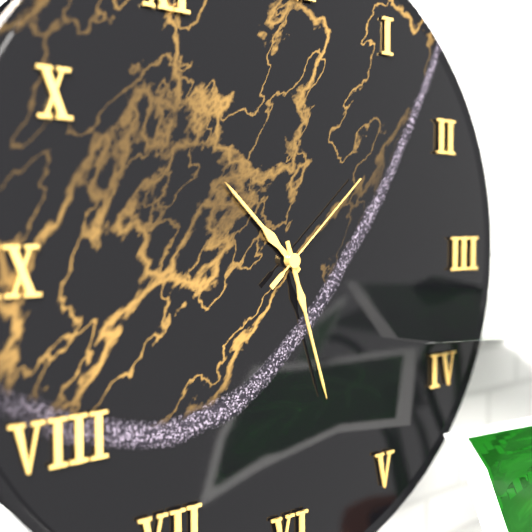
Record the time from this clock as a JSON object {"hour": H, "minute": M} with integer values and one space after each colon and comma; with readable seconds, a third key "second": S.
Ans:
{"hour": 10, "minute": 27, "second": 8}
